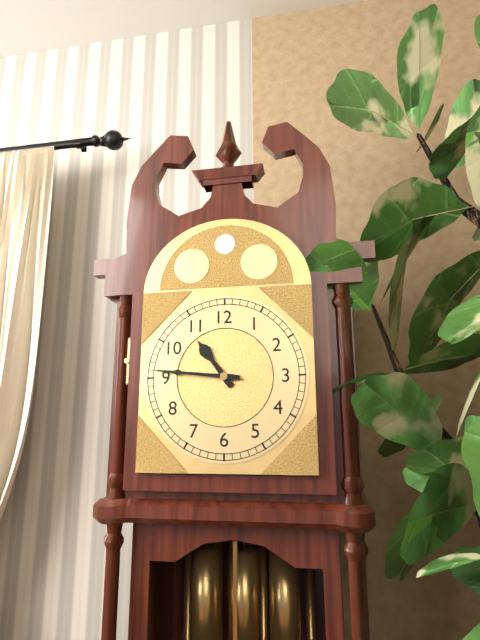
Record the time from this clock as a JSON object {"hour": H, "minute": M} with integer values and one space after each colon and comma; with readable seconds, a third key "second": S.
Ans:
{"hour": 10, "minute": 46}
